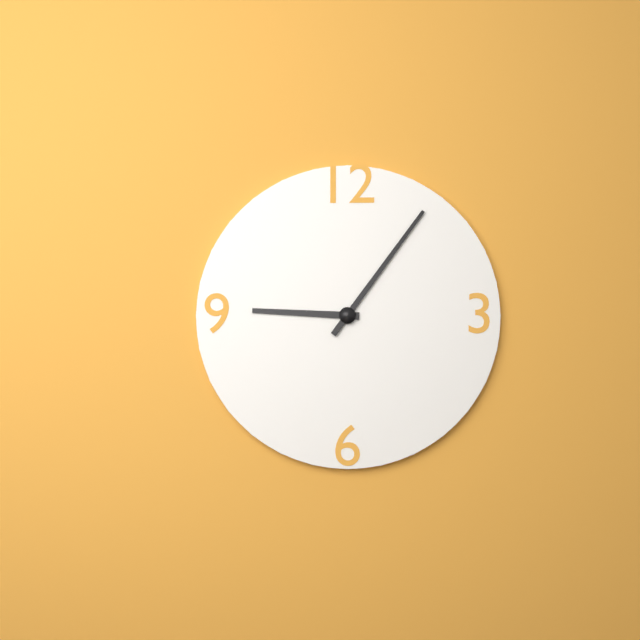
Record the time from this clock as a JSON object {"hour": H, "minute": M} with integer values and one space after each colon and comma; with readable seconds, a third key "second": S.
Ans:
{"hour": 9, "minute": 6}
